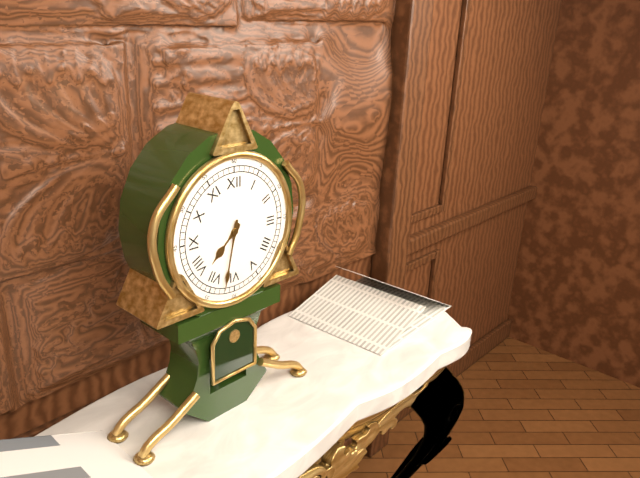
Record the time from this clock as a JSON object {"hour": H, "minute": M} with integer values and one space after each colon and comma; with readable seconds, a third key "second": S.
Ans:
{"hour": 7, "minute": 32}
